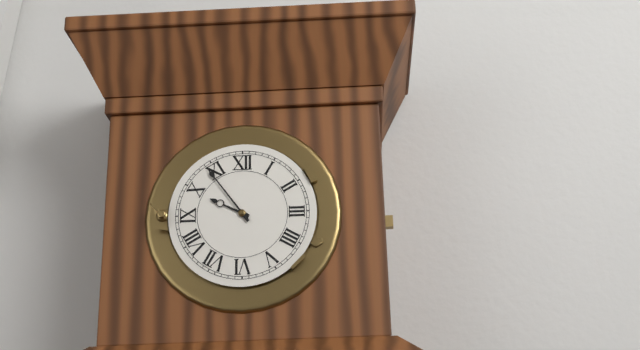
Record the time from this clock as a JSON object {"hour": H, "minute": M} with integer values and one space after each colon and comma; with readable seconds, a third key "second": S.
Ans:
{"hour": 9, "minute": 54}
